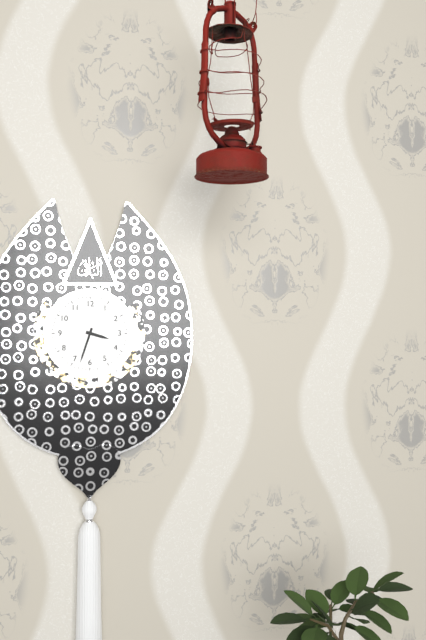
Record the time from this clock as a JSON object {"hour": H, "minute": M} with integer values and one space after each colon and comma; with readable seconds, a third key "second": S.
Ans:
{"hour": 3, "minute": 33}
